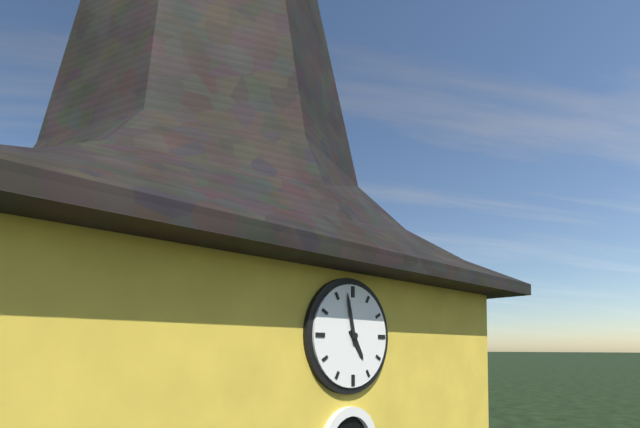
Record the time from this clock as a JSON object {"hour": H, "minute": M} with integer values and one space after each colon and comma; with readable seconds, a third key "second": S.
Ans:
{"hour": 4, "minute": 58}
